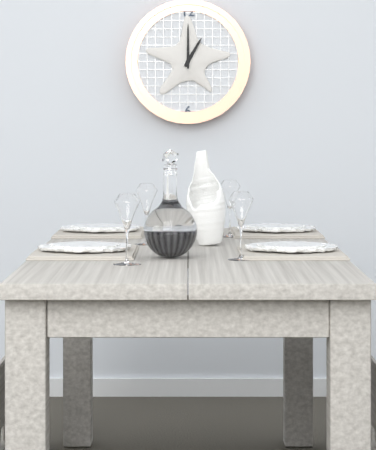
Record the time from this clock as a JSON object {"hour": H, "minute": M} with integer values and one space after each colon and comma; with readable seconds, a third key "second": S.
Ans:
{"hour": 1, "minute": 0}
